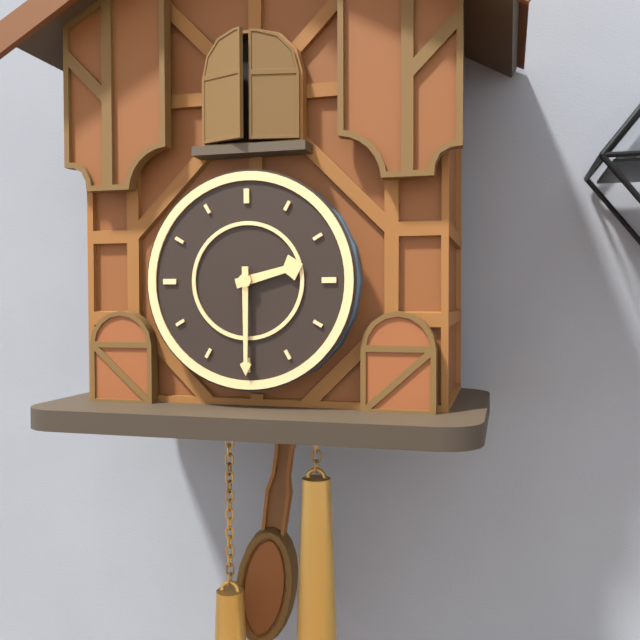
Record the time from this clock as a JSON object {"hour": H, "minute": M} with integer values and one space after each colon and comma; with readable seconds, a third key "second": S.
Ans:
{"hour": 2, "minute": 30}
